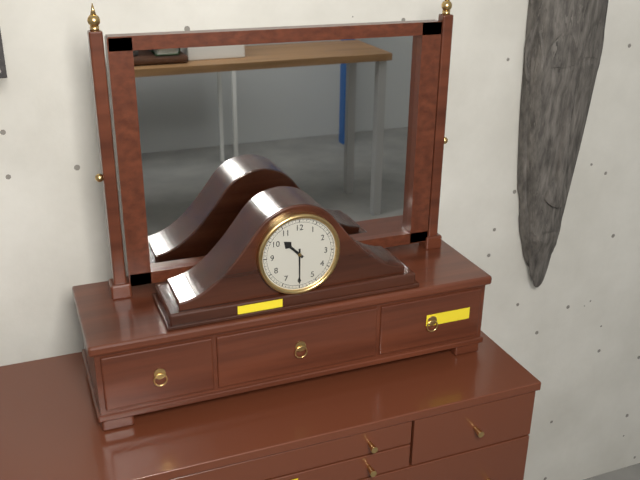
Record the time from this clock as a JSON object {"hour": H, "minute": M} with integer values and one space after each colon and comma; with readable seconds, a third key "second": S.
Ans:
{"hour": 10, "minute": 30}
